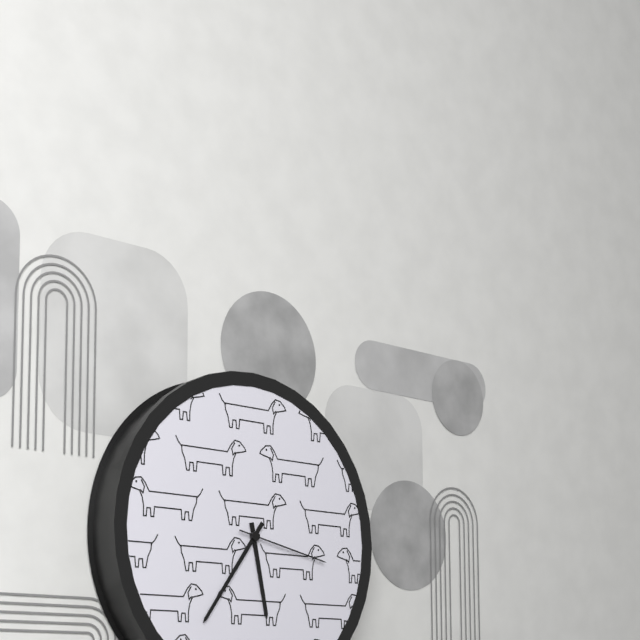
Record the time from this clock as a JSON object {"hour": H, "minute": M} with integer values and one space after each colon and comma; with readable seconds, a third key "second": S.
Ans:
{"hour": 5, "minute": 36, "second": 17}
